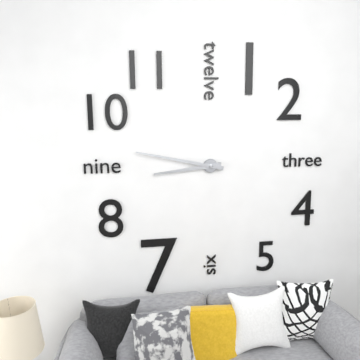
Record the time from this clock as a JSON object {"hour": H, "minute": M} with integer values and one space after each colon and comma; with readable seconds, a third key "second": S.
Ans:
{"hour": 8, "minute": 47}
